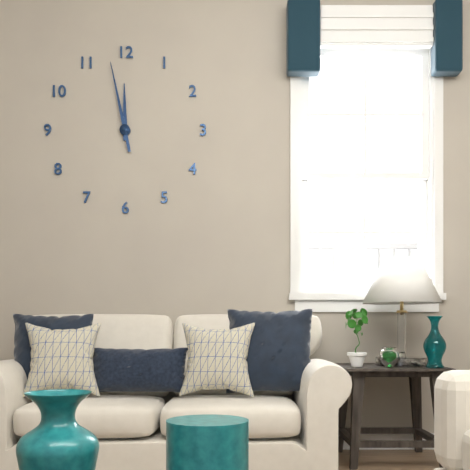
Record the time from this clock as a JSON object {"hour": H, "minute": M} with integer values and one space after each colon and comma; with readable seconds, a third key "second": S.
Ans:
{"hour": 11, "minute": 58}
